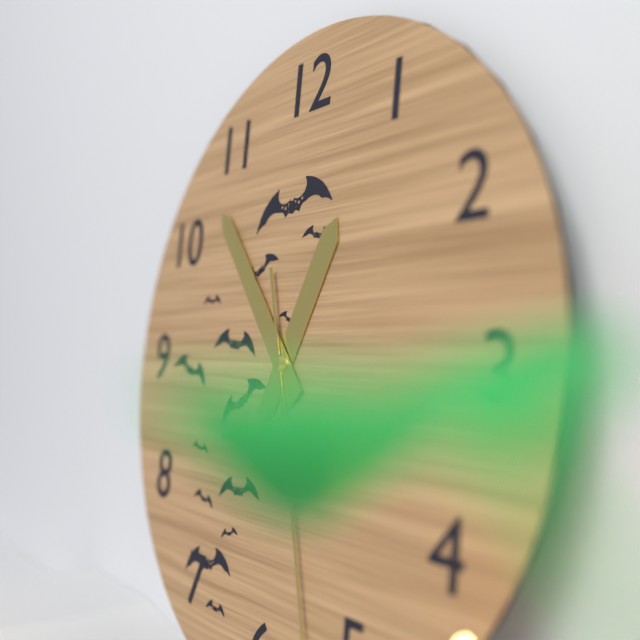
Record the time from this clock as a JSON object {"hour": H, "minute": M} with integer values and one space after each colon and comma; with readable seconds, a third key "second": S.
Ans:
{"hour": 12, "minute": 53}
